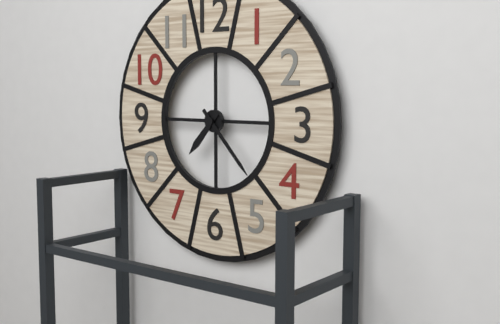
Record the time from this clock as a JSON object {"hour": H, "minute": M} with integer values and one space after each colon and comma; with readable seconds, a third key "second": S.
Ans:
{"hour": 7, "minute": 23}
